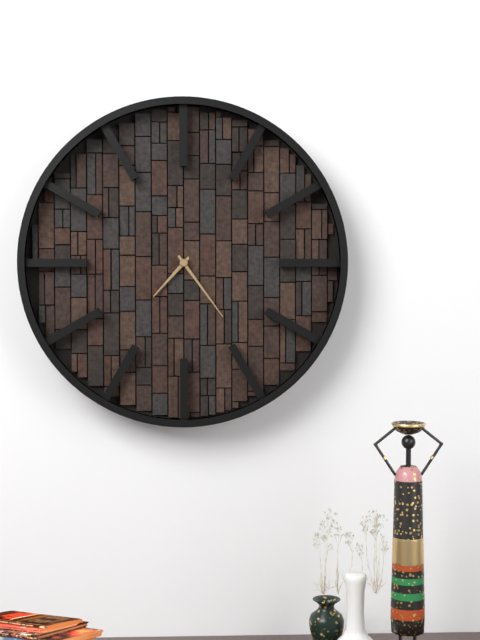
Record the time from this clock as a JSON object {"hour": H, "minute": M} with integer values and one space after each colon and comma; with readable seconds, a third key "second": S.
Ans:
{"hour": 7, "minute": 24}
